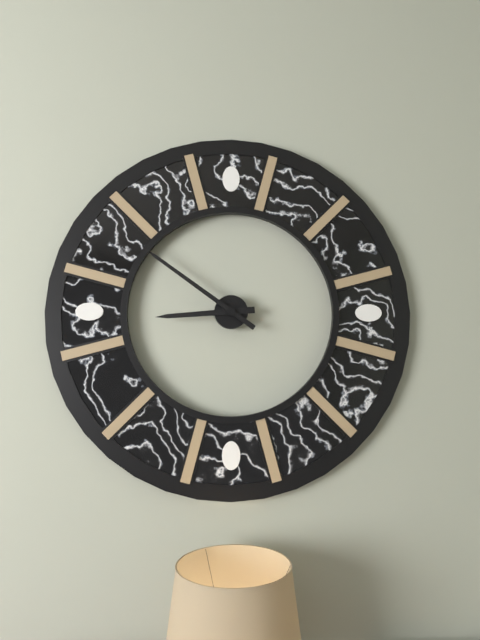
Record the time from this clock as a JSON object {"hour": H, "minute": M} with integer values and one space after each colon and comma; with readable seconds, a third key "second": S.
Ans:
{"hour": 8, "minute": 51}
